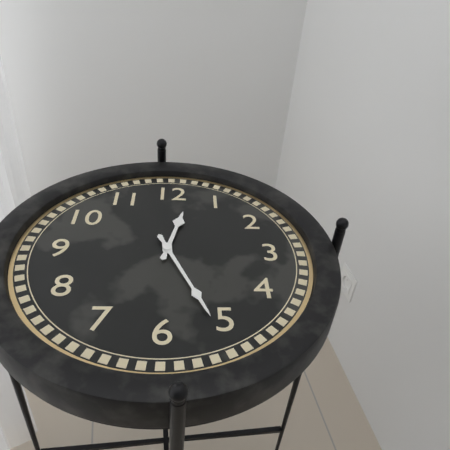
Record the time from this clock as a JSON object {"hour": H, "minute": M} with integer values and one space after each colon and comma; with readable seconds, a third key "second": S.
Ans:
{"hour": 12, "minute": 26}
